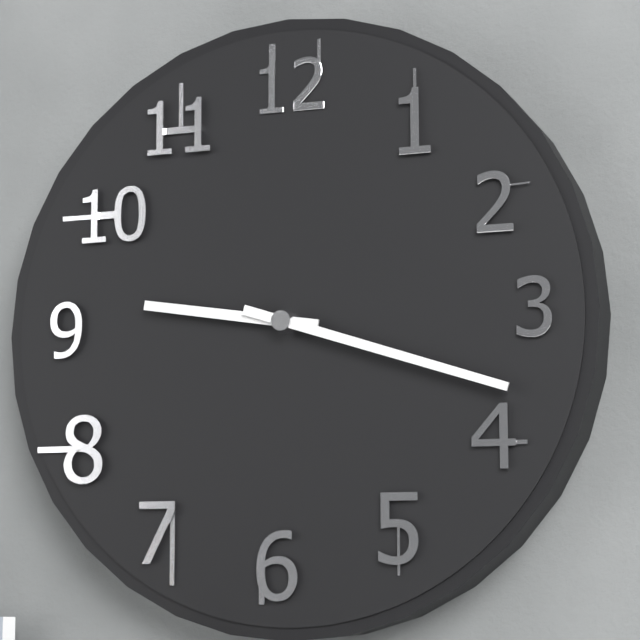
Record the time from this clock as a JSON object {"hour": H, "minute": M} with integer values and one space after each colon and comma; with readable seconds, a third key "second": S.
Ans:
{"hour": 9, "minute": 18}
